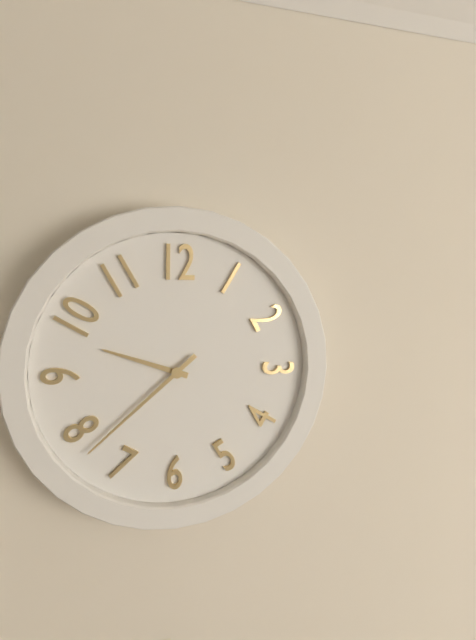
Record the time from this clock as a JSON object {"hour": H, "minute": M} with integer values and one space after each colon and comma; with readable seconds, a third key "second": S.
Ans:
{"hour": 9, "minute": 38}
